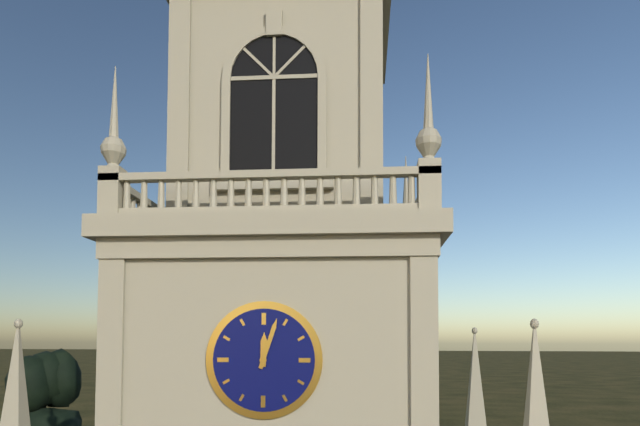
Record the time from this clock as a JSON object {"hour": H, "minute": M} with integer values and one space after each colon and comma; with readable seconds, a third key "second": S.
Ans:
{"hour": 12, "minute": 3}
